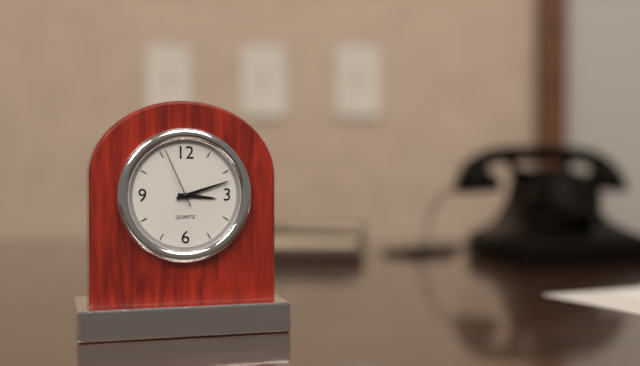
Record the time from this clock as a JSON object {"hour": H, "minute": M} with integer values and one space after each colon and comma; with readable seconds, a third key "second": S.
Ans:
{"hour": 3, "minute": 12, "second": 56}
